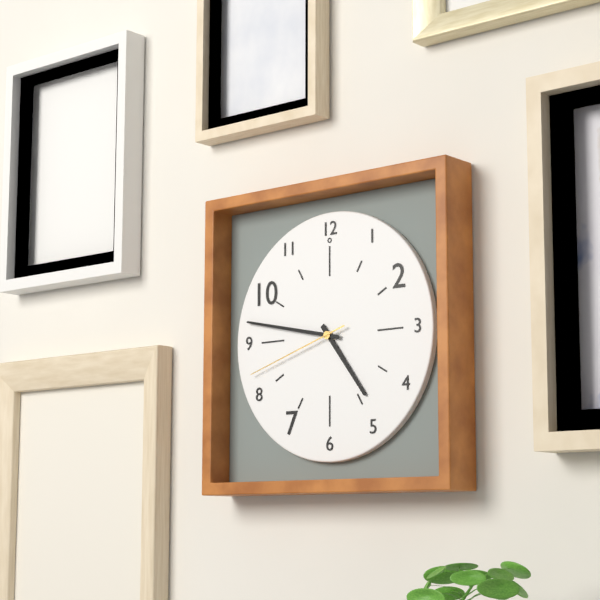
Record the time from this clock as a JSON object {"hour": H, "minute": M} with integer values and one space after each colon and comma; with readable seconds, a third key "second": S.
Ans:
{"hour": 4, "minute": 47, "second": 42}
